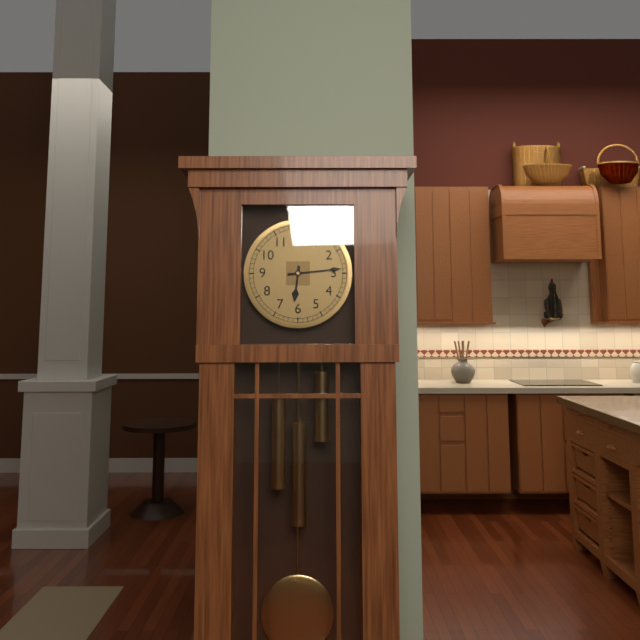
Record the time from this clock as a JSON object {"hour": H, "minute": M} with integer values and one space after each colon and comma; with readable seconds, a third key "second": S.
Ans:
{"hour": 6, "minute": 14}
